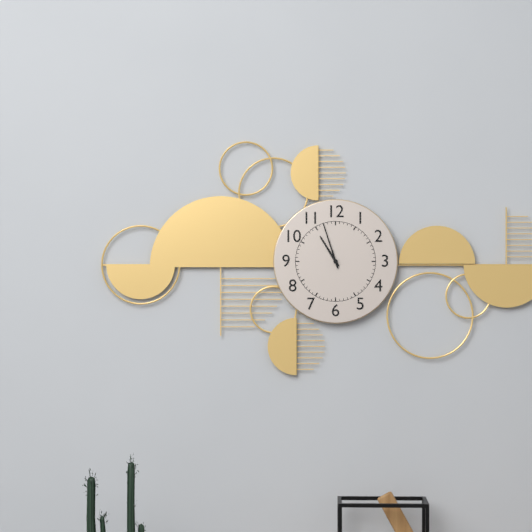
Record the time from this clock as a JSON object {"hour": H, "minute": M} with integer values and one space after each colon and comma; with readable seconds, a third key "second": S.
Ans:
{"hour": 10, "minute": 57}
